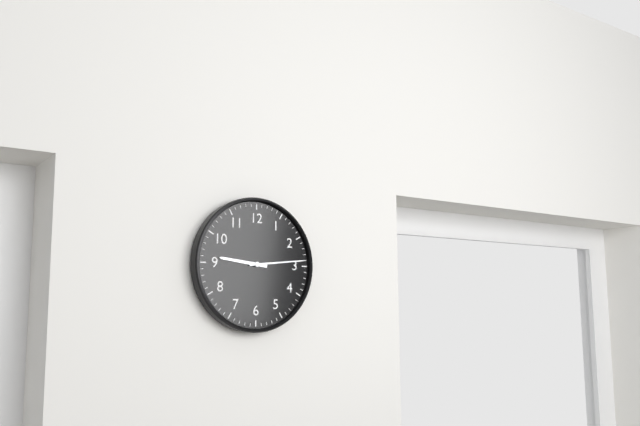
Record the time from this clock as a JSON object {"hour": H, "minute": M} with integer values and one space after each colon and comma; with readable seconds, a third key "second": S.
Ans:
{"hour": 9, "minute": 14}
